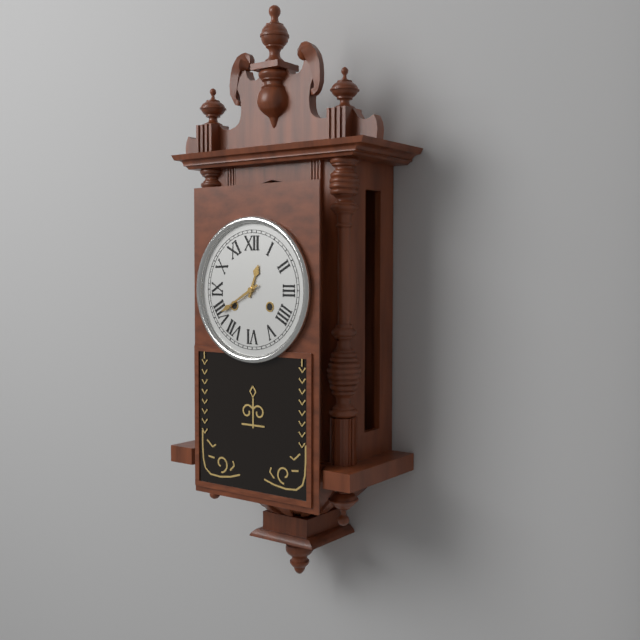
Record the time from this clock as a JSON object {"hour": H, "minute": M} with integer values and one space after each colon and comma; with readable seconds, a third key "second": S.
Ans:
{"hour": 12, "minute": 40}
